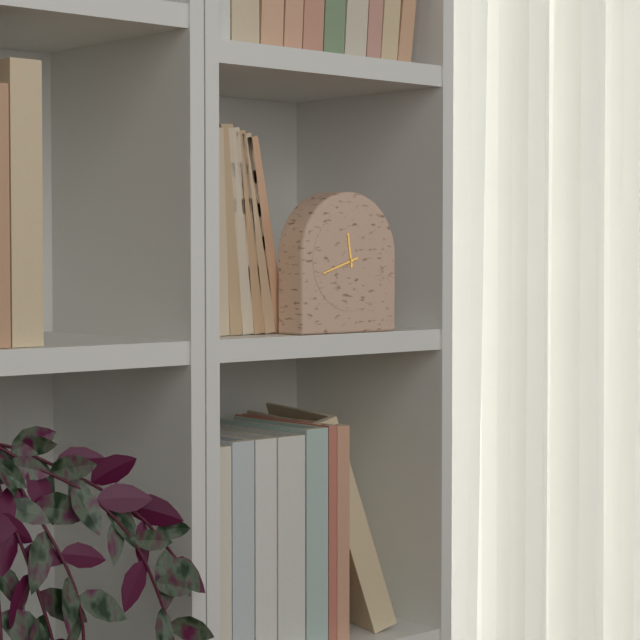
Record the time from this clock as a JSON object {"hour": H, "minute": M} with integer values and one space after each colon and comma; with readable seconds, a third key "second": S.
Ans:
{"hour": 11, "minute": 42}
